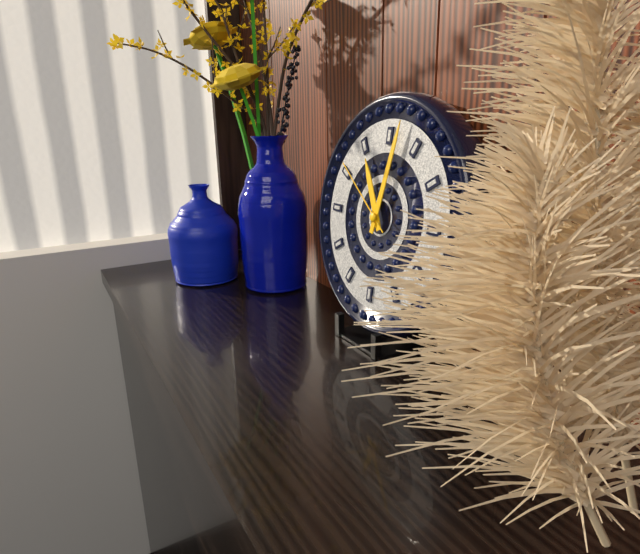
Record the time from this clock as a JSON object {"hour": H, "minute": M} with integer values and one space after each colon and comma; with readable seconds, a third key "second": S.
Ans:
{"hour": 11, "minute": 2, "second": 51}
